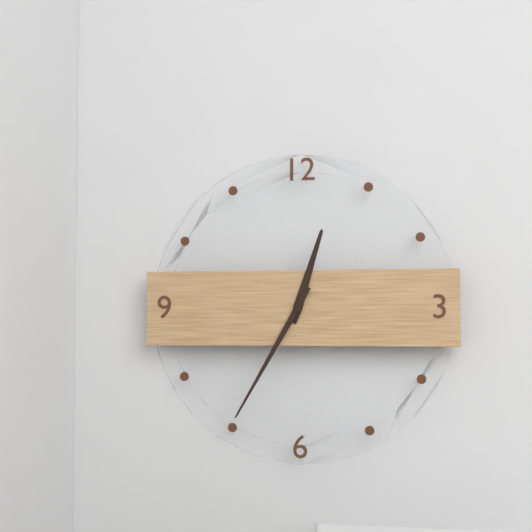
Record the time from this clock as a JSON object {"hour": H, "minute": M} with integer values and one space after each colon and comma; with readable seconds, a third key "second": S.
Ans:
{"hour": 12, "minute": 35}
